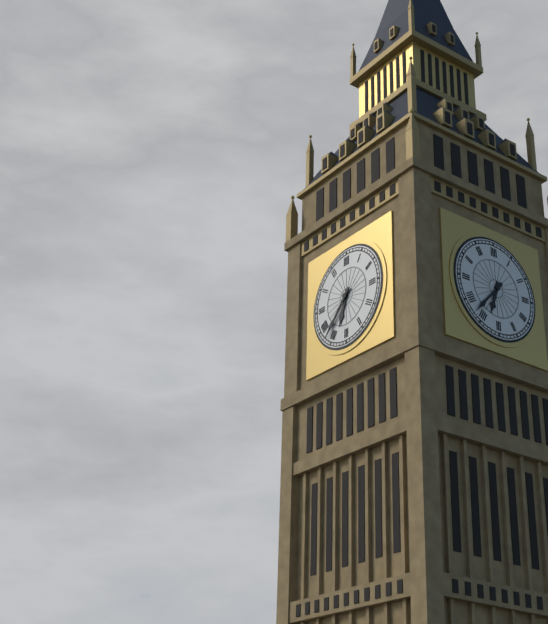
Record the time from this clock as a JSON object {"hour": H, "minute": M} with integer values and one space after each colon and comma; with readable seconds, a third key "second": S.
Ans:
{"hour": 6, "minute": 37}
